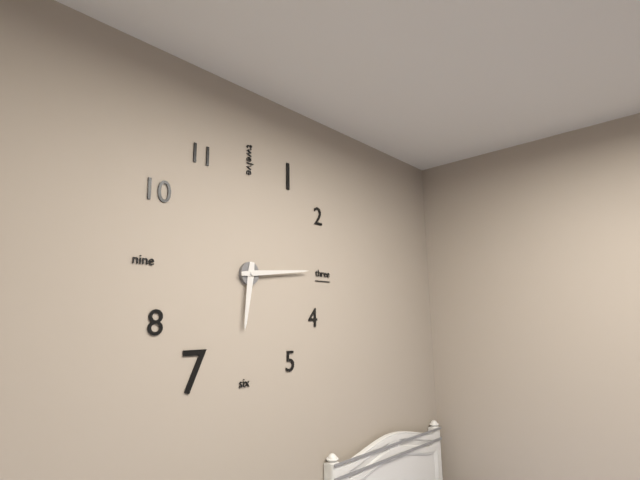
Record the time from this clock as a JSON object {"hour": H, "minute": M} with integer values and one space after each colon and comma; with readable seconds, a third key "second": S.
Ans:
{"hour": 6, "minute": 14}
